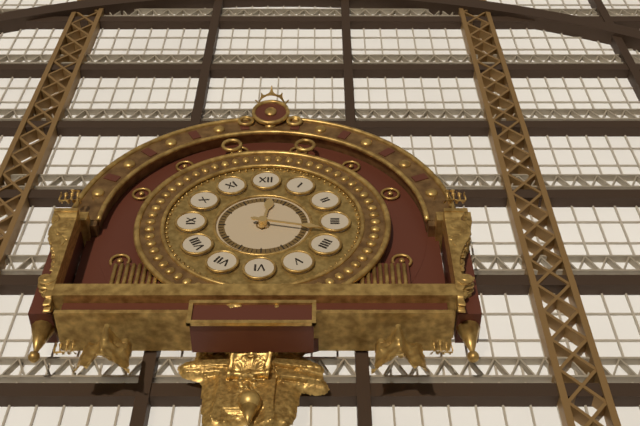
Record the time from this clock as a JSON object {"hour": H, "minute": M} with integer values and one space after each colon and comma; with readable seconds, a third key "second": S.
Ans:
{"hour": 12, "minute": 17}
